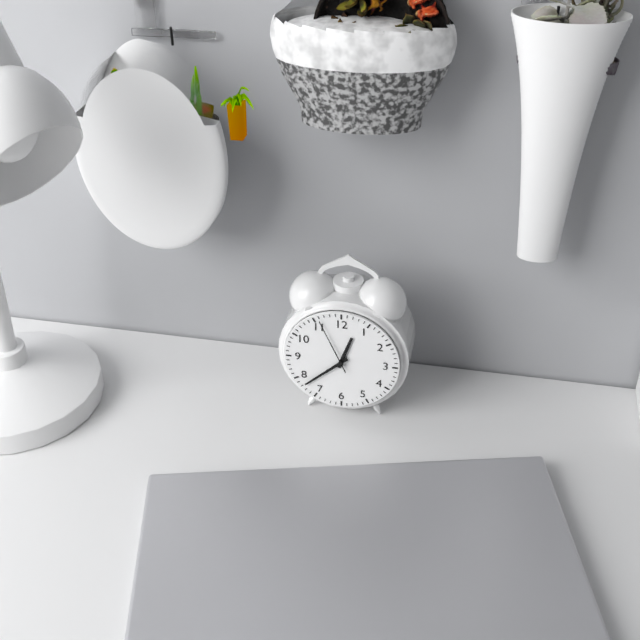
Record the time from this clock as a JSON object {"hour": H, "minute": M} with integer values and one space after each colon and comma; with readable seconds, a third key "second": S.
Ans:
{"hour": 12, "minute": 38, "second": 56}
